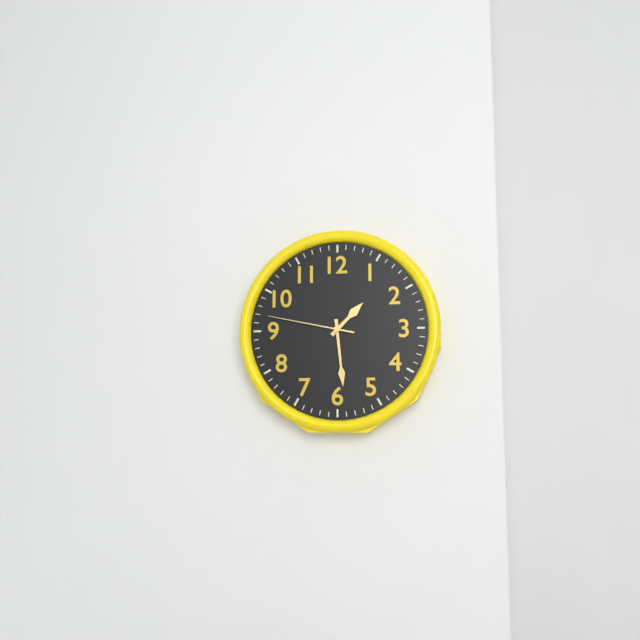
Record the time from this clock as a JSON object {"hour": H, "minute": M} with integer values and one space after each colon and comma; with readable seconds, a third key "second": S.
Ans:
{"hour": 1, "minute": 29, "second": 47}
